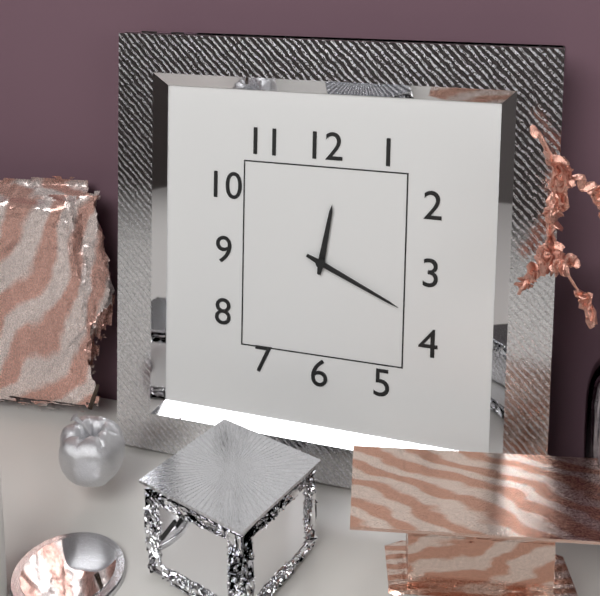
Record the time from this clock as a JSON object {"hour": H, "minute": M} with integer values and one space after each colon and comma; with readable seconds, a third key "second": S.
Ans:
{"hour": 12, "minute": 19}
